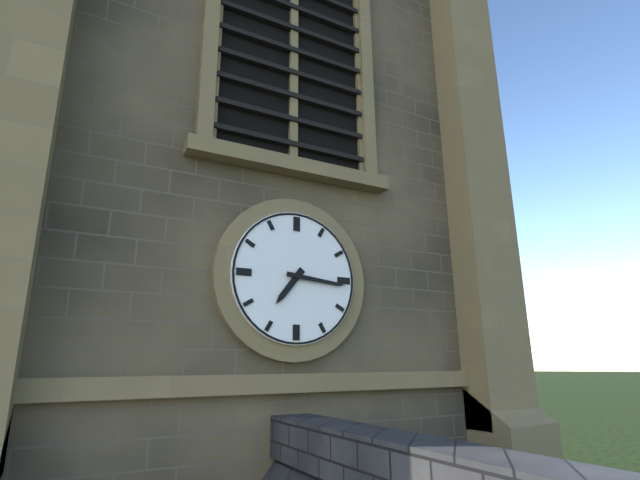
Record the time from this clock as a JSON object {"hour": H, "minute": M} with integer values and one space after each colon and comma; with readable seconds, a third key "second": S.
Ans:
{"hour": 7, "minute": 16}
